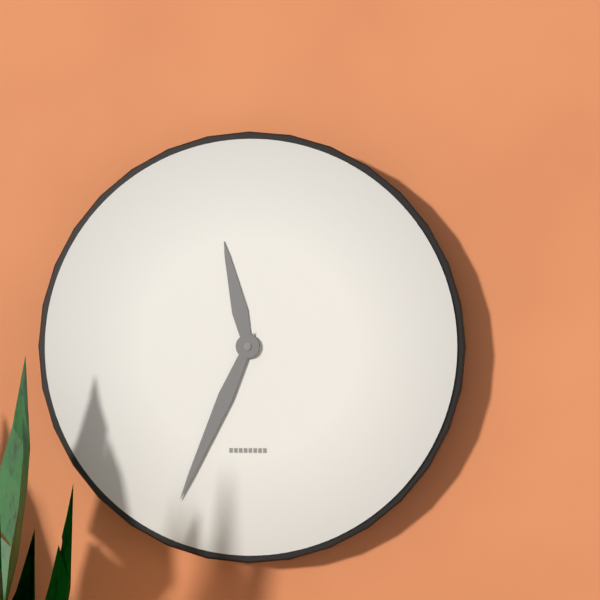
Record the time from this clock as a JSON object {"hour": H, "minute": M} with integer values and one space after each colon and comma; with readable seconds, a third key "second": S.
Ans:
{"hour": 11, "minute": 34}
